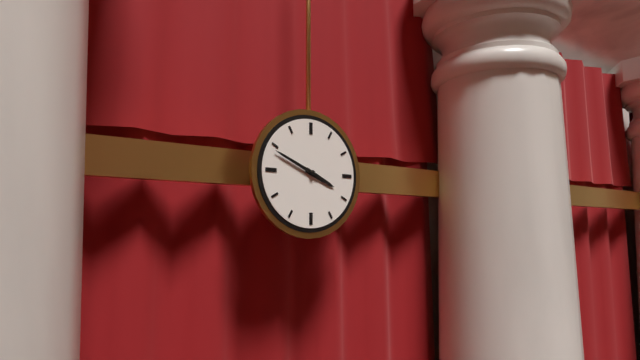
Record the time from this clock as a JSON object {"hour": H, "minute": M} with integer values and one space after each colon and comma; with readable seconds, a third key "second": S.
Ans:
{"hour": 3, "minute": 49}
